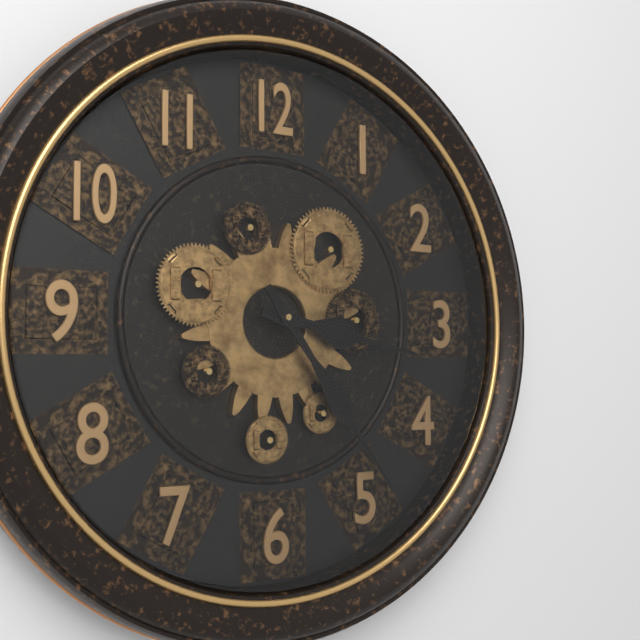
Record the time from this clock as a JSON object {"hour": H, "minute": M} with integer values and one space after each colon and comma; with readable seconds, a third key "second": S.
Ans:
{"hour": 3, "minute": 24}
